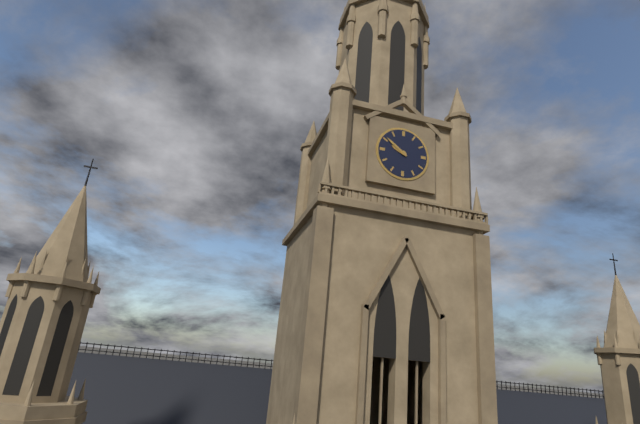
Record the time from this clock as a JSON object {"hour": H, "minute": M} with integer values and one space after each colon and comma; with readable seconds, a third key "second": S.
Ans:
{"hour": 9, "minute": 51}
